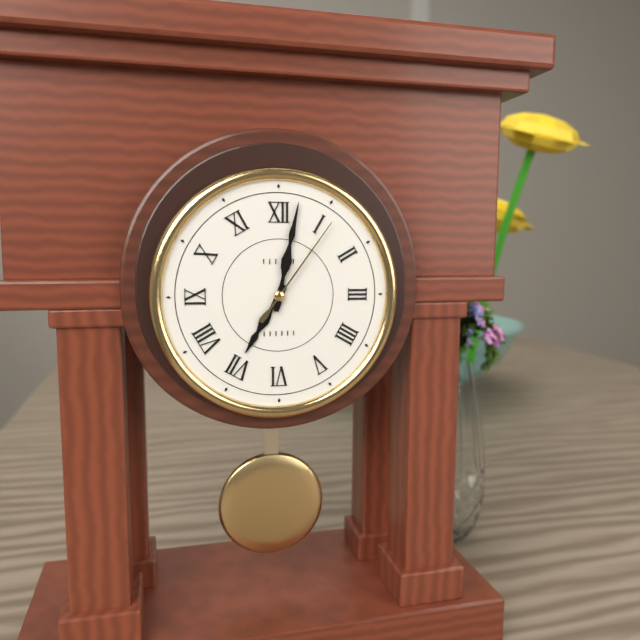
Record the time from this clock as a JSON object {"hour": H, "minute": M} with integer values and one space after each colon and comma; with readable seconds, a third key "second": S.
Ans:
{"hour": 7, "minute": 2, "second": 6}
